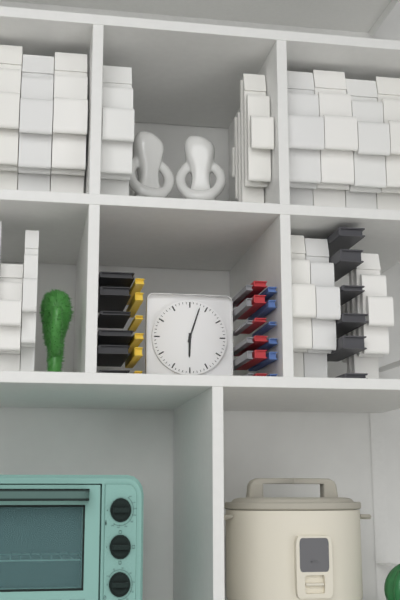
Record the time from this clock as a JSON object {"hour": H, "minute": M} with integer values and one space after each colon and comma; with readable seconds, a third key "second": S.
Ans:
{"hour": 6, "minute": 3}
